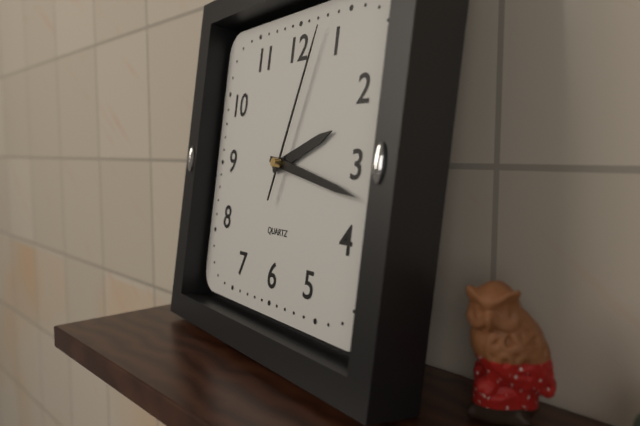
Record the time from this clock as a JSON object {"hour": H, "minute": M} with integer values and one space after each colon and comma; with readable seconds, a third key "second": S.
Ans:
{"hour": 2, "minute": 17, "second": 3}
